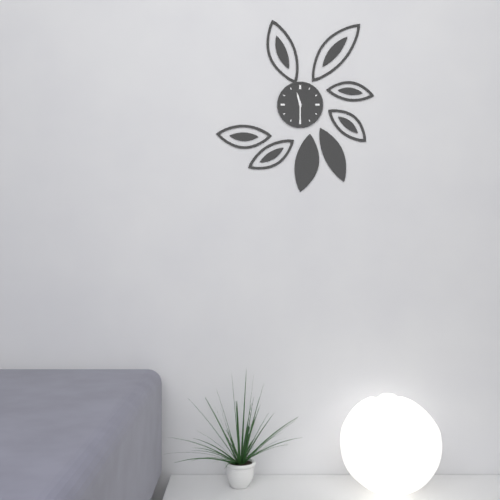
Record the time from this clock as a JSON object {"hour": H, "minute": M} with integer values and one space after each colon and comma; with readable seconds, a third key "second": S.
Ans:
{"hour": 11, "minute": 30}
